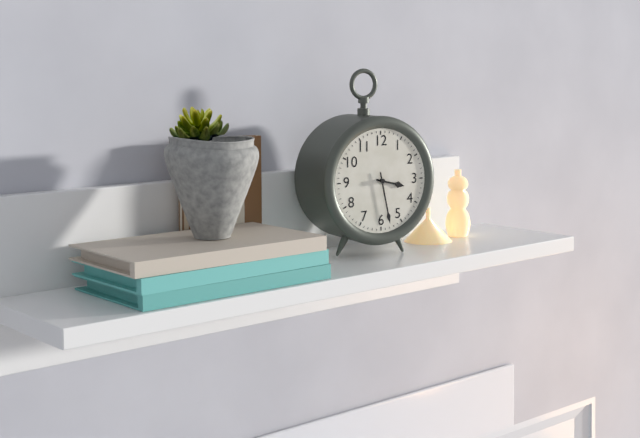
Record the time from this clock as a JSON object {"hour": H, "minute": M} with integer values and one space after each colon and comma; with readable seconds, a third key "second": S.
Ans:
{"hour": 3, "minute": 28}
